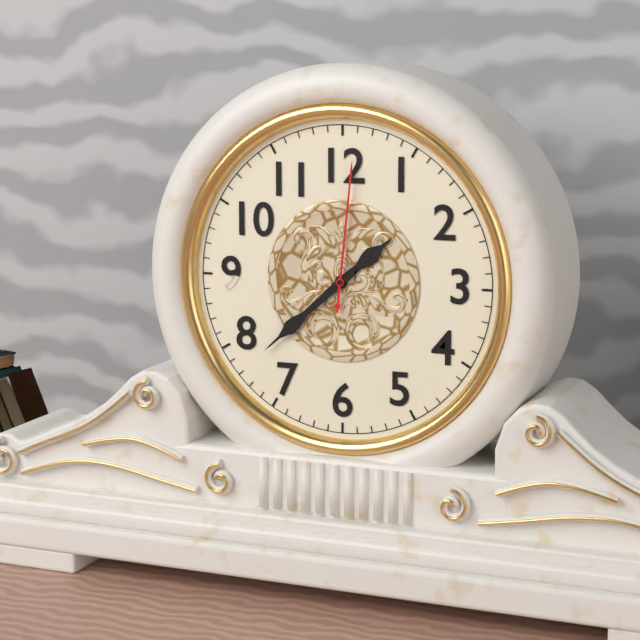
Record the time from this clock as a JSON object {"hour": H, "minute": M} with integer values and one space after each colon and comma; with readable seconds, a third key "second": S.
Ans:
{"hour": 1, "minute": 38, "second": 1}
